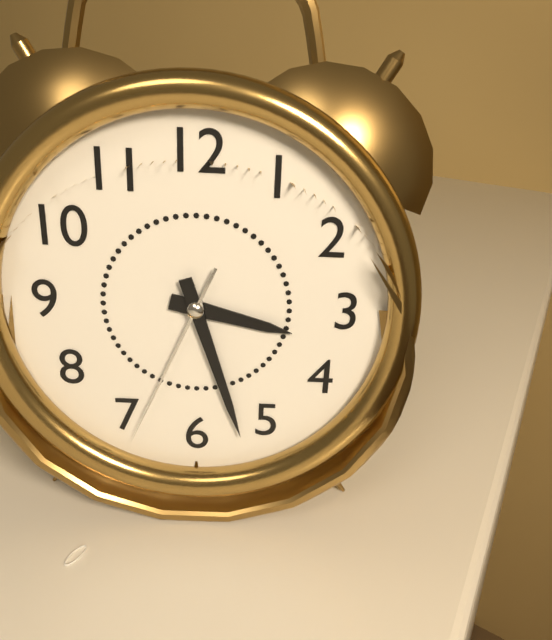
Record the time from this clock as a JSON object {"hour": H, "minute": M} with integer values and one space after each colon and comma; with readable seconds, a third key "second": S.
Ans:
{"hour": 3, "minute": 27, "second": 34}
